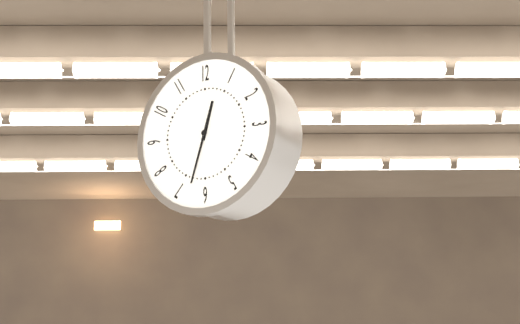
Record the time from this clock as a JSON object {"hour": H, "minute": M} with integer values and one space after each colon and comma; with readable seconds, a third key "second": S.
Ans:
{"hour": 12, "minute": 33}
